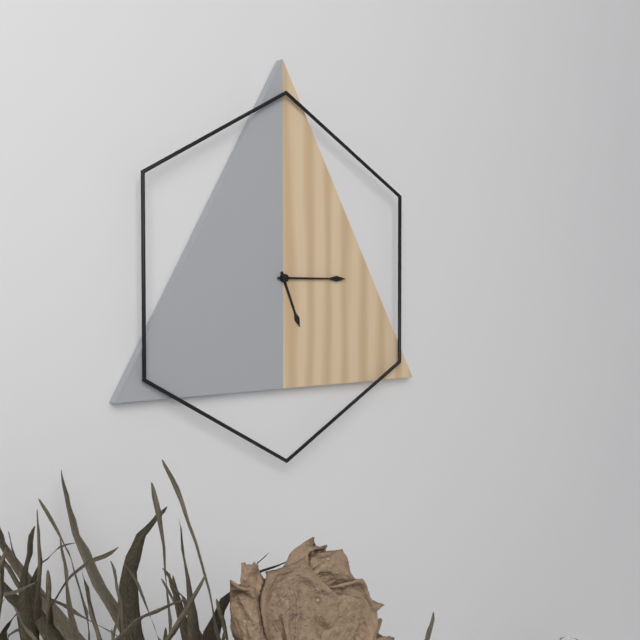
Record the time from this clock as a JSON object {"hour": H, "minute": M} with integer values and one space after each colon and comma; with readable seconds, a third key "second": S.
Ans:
{"hour": 5, "minute": 15}
